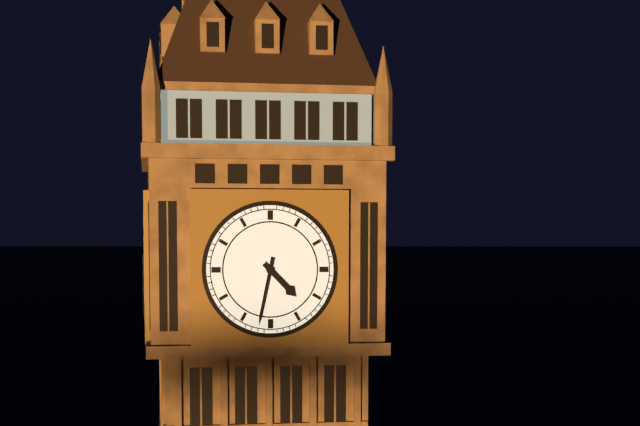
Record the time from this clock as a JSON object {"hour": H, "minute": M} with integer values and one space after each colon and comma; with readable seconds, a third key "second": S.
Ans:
{"hour": 4, "minute": 32}
